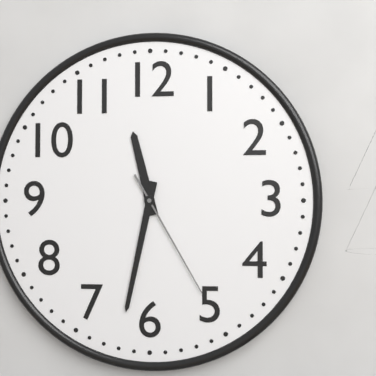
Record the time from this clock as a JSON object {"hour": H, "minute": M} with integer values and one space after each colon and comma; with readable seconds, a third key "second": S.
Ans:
{"hour": 11, "minute": 32, "second": 25}
